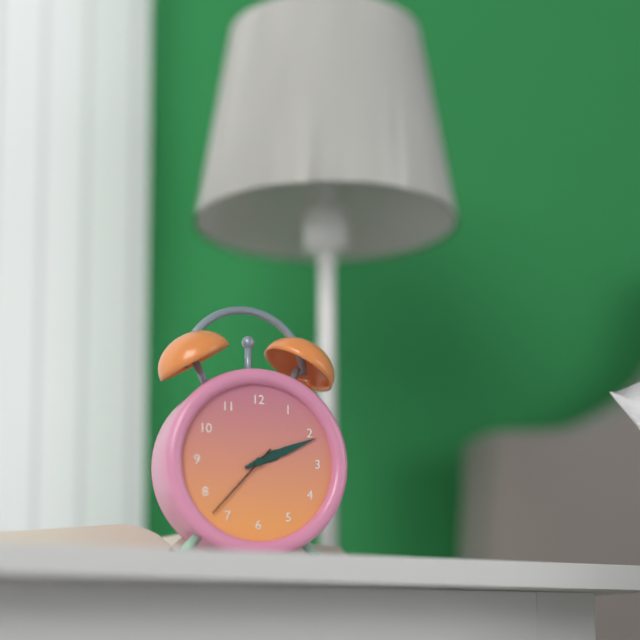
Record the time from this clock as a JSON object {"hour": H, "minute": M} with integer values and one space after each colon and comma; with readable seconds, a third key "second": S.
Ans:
{"hour": 2, "minute": 11, "second": 37}
